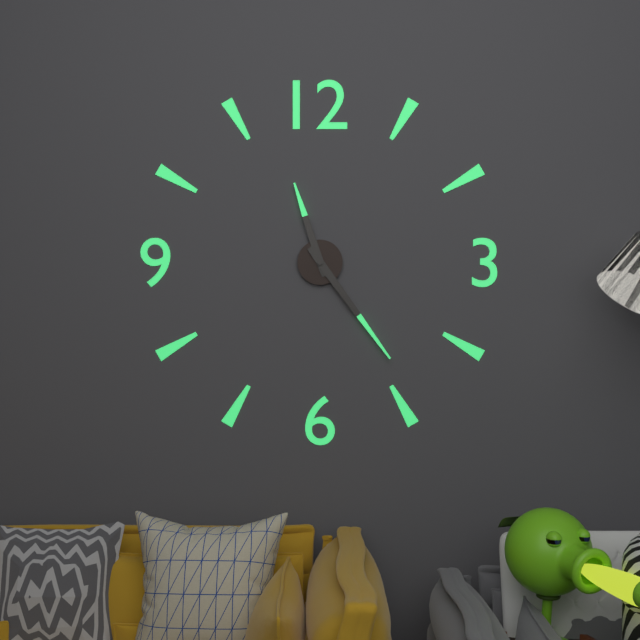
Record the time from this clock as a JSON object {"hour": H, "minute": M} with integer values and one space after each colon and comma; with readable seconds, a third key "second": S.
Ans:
{"hour": 11, "minute": 24}
